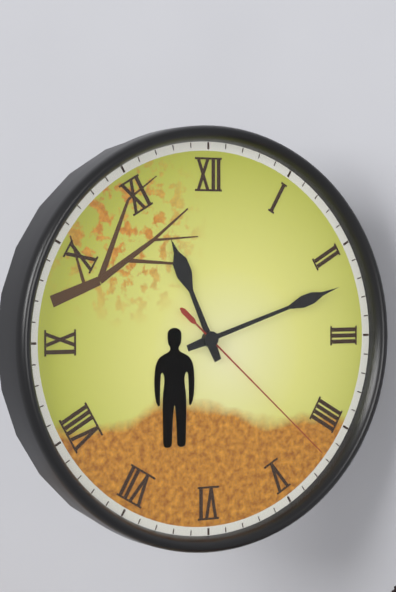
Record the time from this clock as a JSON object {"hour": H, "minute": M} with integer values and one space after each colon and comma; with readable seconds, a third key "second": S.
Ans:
{"hour": 11, "minute": 12, "second": 22}
